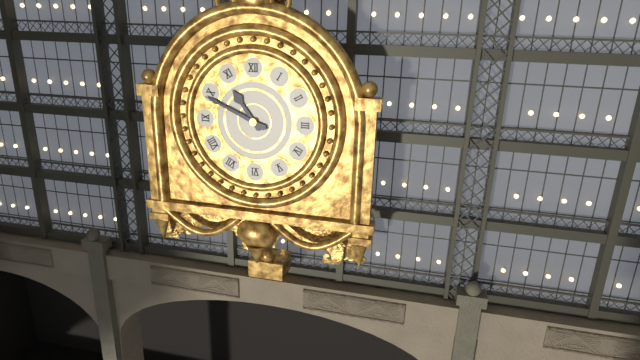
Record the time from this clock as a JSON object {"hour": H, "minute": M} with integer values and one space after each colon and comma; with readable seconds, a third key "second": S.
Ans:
{"hour": 10, "minute": 49}
